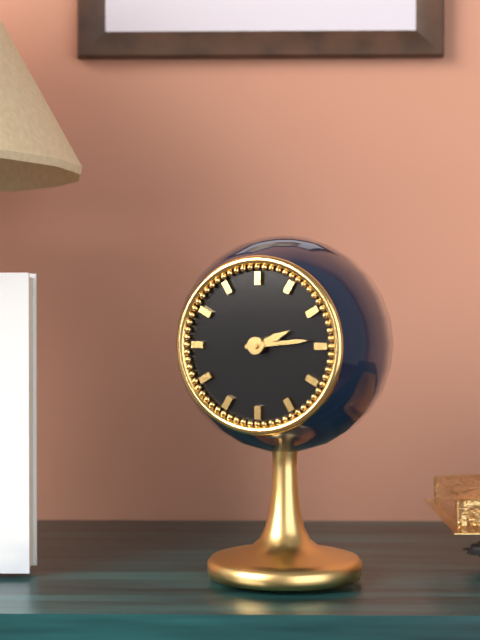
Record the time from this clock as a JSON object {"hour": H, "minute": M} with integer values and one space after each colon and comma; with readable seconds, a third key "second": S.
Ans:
{"hour": 2, "minute": 14}
